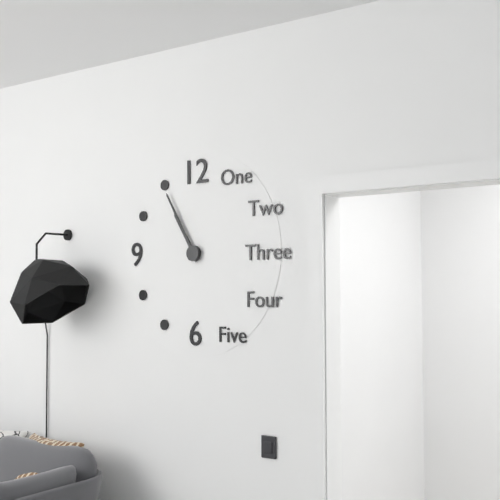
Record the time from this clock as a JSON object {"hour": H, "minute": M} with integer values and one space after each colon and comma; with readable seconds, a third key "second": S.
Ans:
{"hour": 10, "minute": 55}
